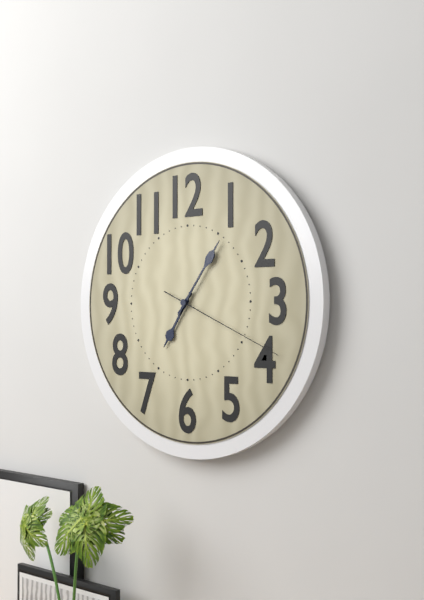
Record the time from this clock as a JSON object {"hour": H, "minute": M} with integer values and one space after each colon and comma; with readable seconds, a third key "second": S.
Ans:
{"hour": 7, "minute": 6, "second": 19}
